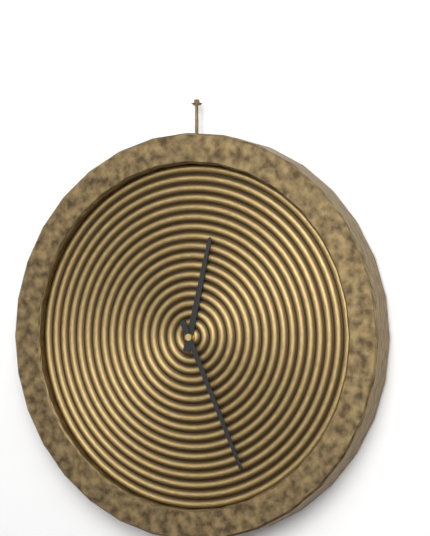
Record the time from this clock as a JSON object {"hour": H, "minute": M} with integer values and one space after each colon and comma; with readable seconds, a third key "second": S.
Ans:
{"hour": 12, "minute": 26}
